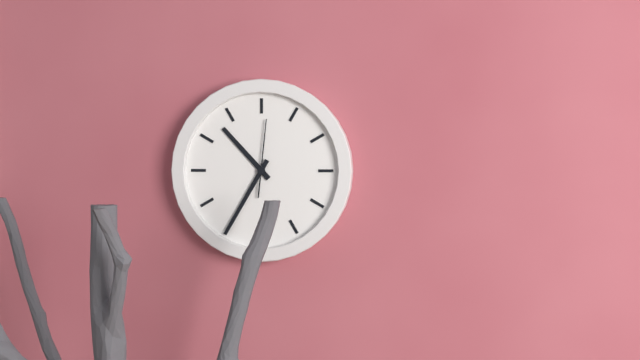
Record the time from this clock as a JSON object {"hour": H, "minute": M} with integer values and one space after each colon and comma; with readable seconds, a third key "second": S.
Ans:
{"hour": 10, "minute": 35, "second": 1}
